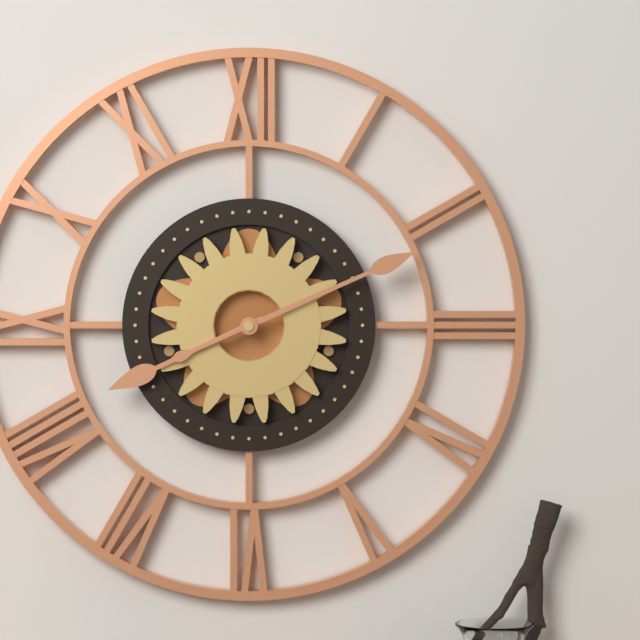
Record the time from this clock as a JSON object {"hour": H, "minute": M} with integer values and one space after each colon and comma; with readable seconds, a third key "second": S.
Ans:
{"hour": 8, "minute": 11}
